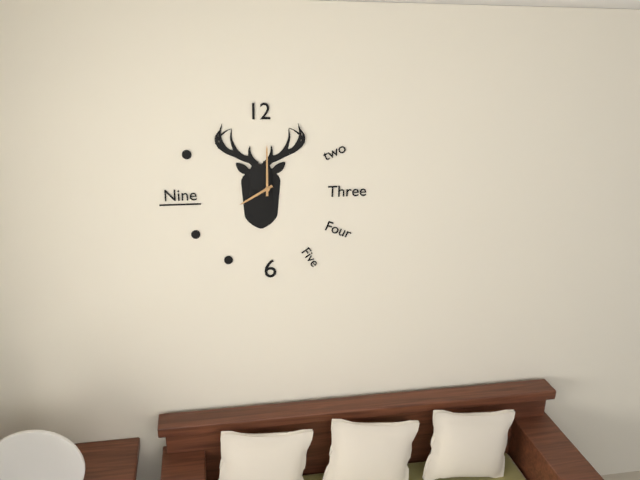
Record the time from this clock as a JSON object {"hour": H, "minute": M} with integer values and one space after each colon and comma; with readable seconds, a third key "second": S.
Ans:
{"hour": 8, "minute": 0}
